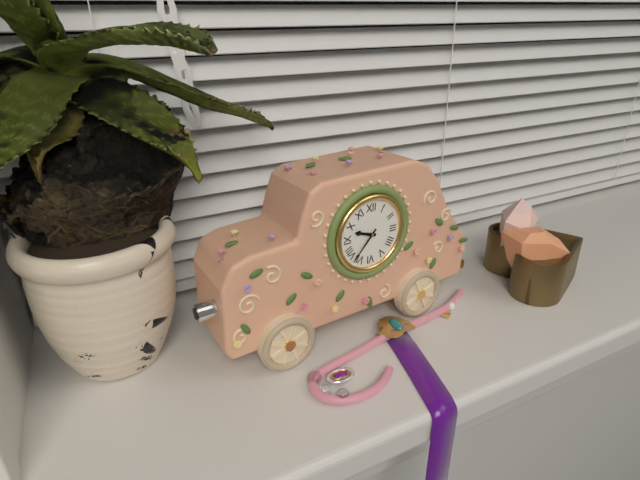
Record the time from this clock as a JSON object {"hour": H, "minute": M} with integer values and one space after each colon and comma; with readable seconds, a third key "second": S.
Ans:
{"hour": 9, "minute": 37}
